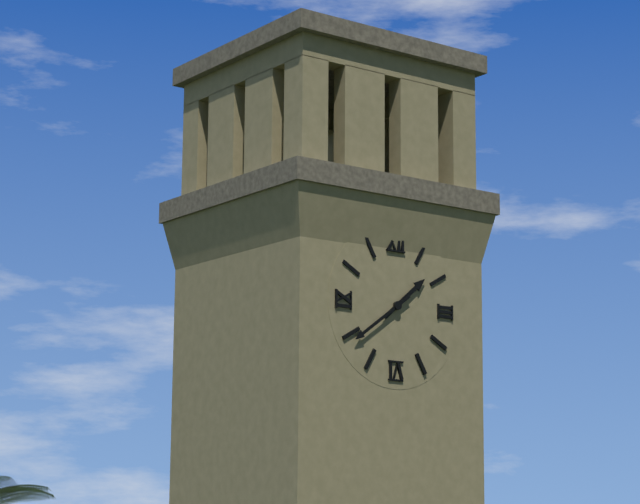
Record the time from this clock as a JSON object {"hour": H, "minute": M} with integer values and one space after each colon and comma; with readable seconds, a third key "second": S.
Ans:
{"hour": 1, "minute": 39}
